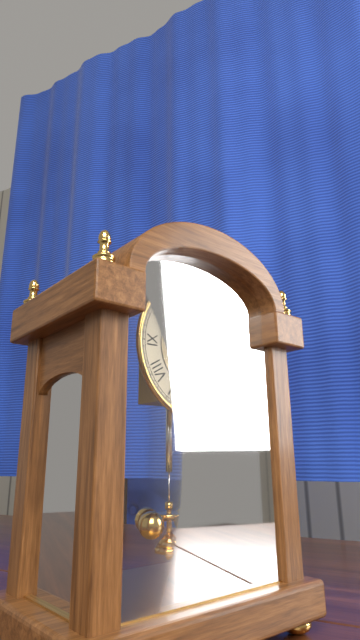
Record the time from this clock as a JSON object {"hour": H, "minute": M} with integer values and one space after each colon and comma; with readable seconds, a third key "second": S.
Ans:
{"hour": 7, "minute": 30}
